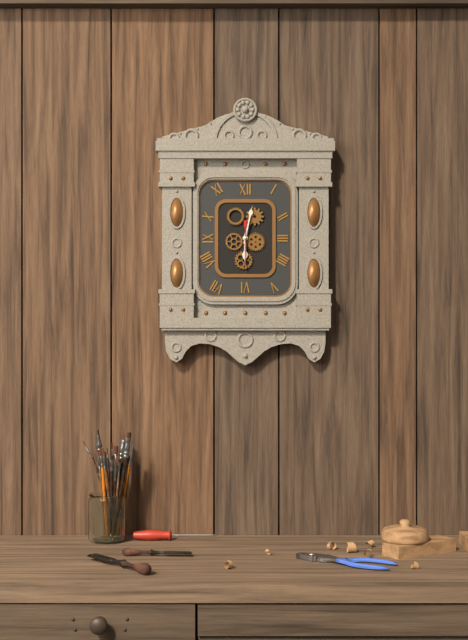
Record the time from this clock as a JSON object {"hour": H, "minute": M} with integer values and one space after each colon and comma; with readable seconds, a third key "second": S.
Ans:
{"hour": 6, "minute": 2}
